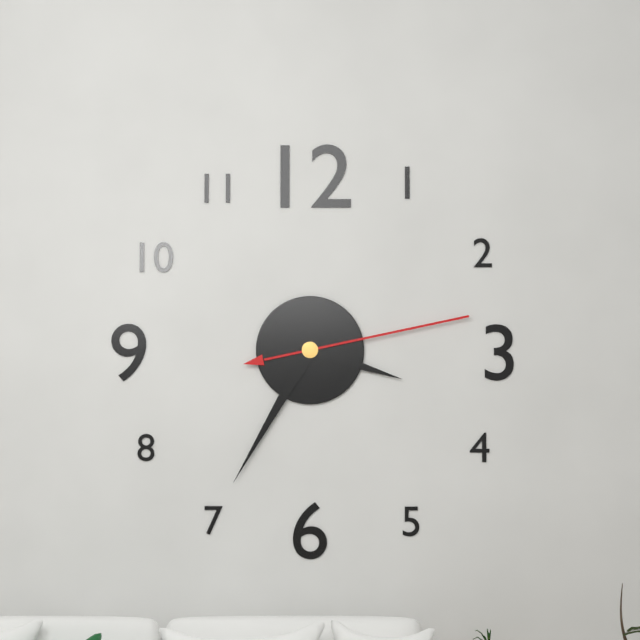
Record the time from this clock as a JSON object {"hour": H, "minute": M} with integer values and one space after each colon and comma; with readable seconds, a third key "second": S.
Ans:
{"hour": 3, "minute": 35, "second": 13}
